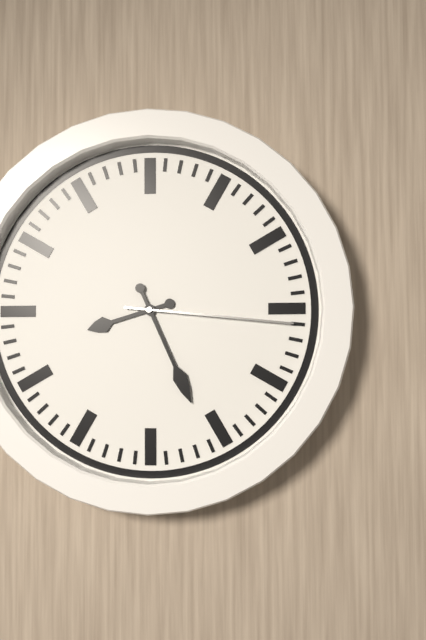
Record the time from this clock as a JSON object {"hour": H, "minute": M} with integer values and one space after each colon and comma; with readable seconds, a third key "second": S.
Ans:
{"hour": 8, "minute": 26, "second": 16}
